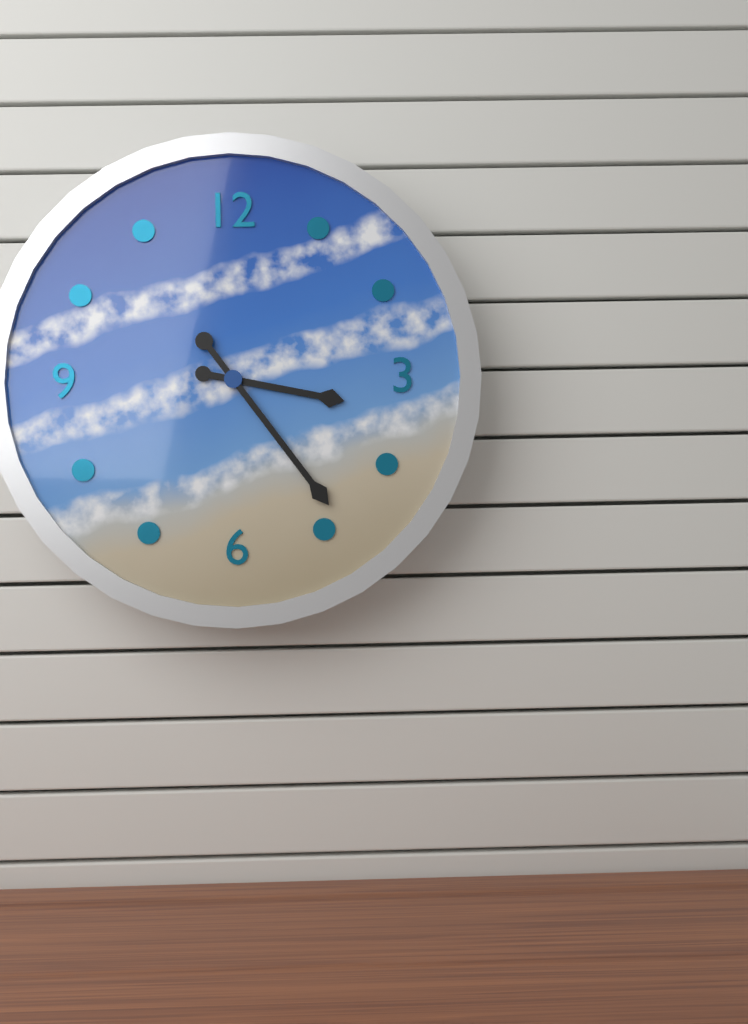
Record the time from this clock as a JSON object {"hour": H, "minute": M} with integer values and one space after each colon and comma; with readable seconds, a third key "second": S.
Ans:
{"hour": 3, "minute": 24}
